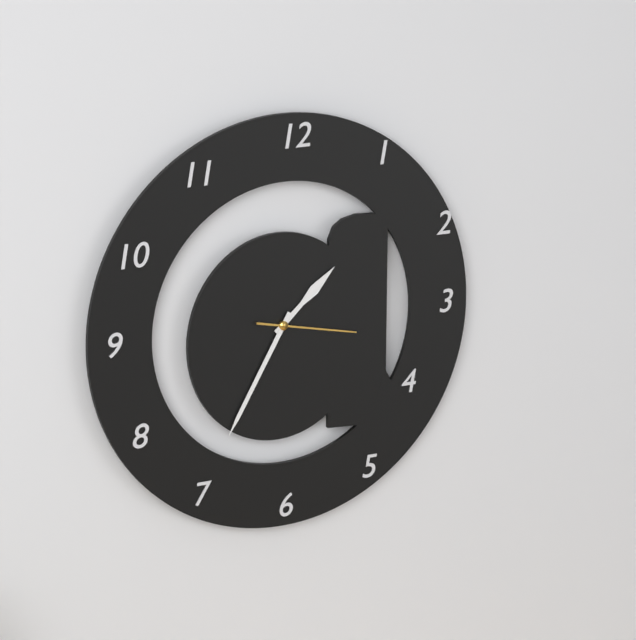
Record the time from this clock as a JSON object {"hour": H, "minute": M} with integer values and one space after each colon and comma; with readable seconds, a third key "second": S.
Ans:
{"hour": 1, "minute": 35, "second": 17}
